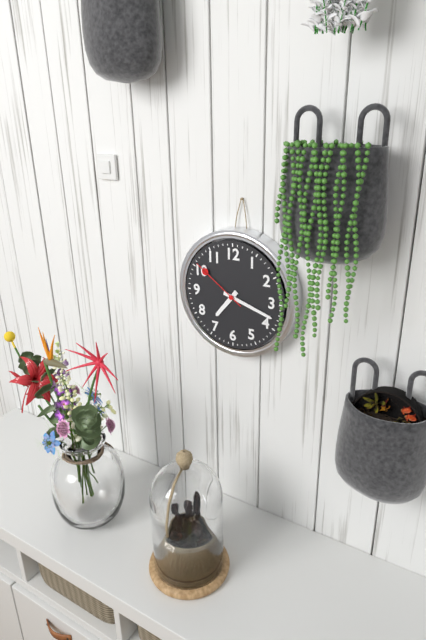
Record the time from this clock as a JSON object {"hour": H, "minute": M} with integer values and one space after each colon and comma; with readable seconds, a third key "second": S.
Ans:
{"hour": 7, "minute": 18, "second": 51}
